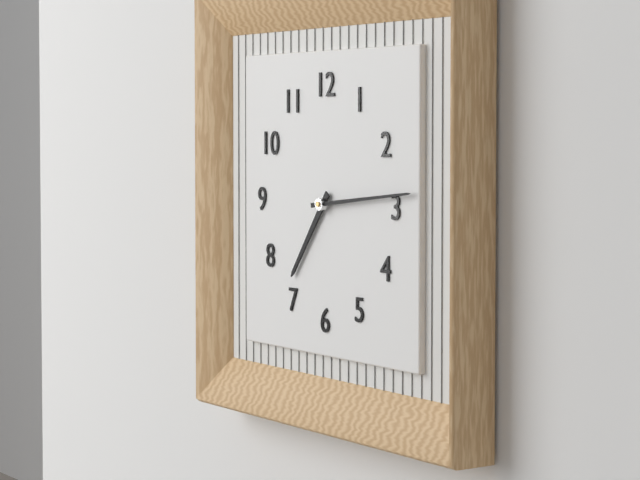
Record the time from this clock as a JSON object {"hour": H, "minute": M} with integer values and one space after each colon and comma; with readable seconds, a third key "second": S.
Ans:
{"hour": 7, "minute": 14}
